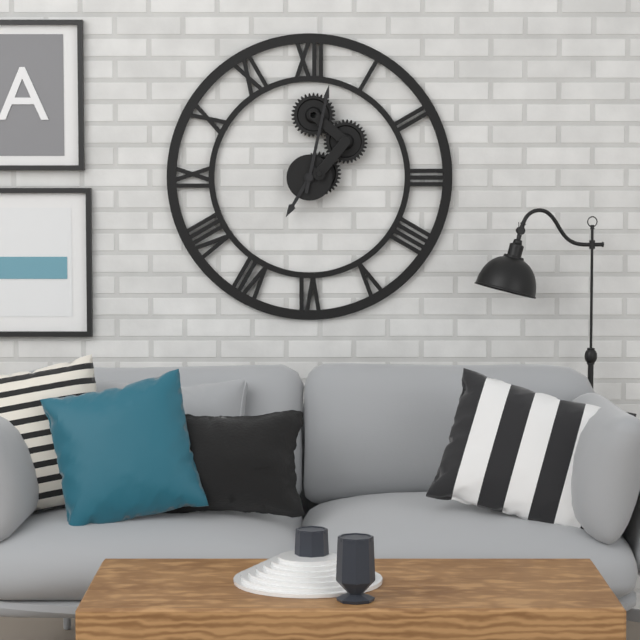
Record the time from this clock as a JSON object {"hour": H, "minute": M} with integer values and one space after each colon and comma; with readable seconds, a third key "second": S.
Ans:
{"hour": 7, "minute": 2}
